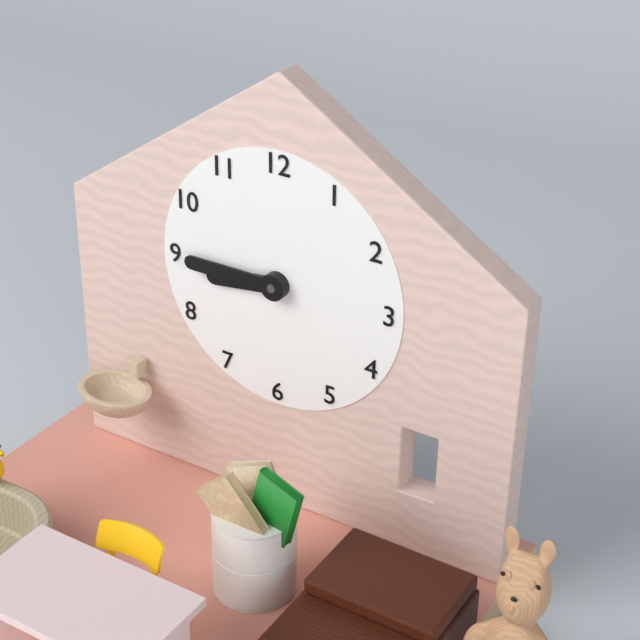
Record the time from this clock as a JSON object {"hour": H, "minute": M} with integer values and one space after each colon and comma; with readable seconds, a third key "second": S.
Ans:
{"hour": 8, "minute": 45}
